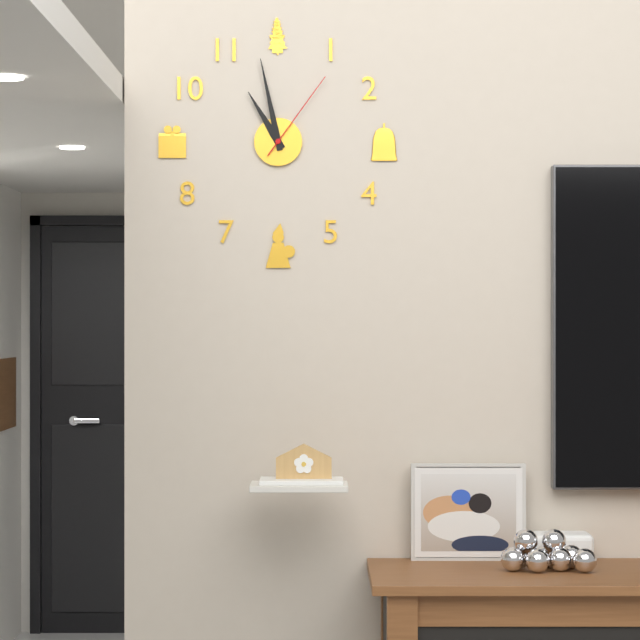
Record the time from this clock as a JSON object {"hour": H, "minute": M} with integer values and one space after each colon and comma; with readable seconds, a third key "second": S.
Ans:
{"hour": 10, "minute": 58, "second": 6}
